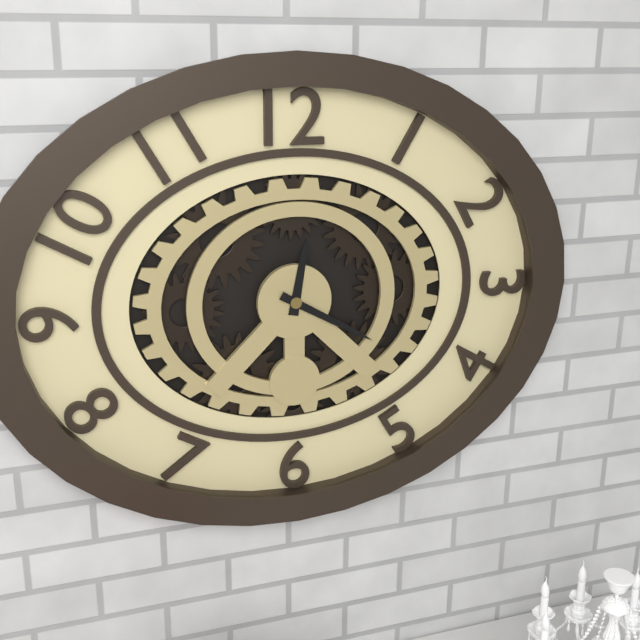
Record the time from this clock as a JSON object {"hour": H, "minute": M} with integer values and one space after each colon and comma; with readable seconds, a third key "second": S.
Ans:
{"hour": 12, "minute": 20}
